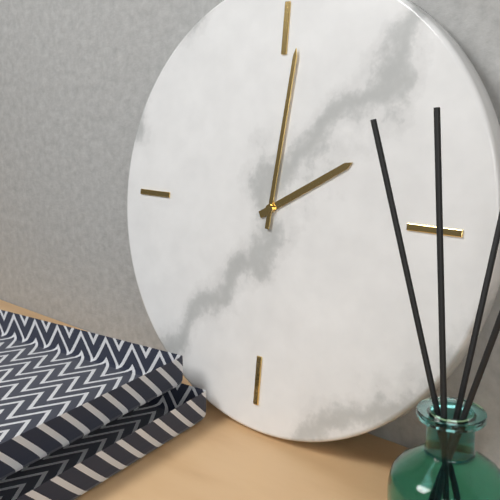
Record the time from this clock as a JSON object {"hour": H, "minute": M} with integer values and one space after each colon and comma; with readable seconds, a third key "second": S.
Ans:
{"hour": 2, "minute": 1}
